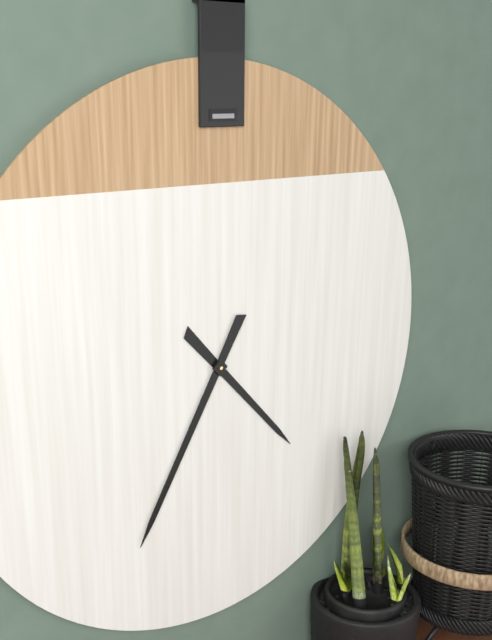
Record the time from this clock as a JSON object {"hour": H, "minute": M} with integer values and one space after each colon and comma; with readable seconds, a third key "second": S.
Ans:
{"hour": 4, "minute": 35}
